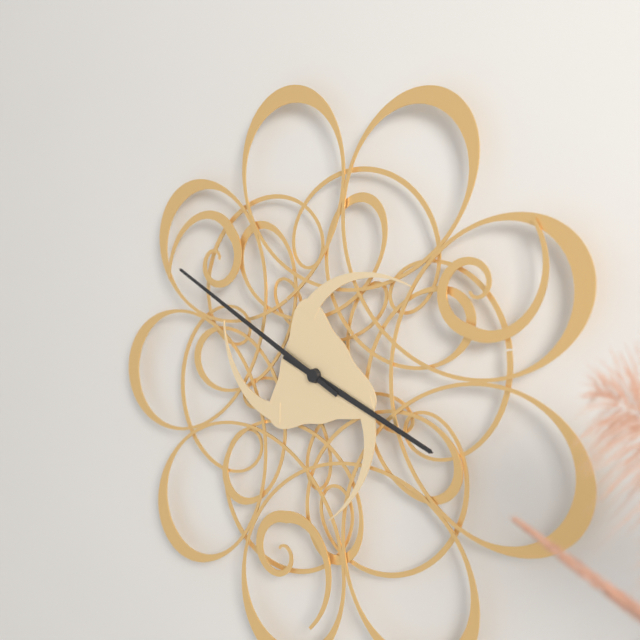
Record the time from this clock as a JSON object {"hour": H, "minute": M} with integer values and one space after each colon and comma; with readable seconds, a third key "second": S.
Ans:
{"hour": 3, "minute": 50}
